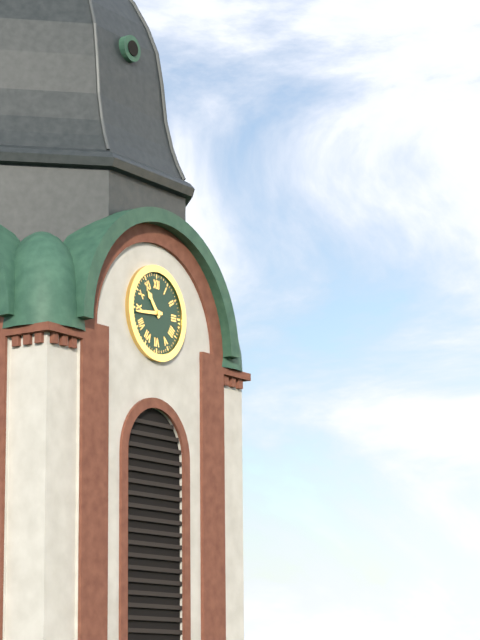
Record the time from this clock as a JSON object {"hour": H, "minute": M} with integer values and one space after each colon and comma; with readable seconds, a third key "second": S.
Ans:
{"hour": 10, "minute": 44}
